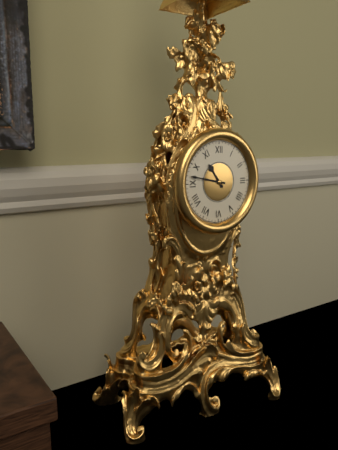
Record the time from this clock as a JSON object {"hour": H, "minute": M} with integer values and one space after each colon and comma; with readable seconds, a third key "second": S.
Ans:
{"hour": 10, "minute": 47}
